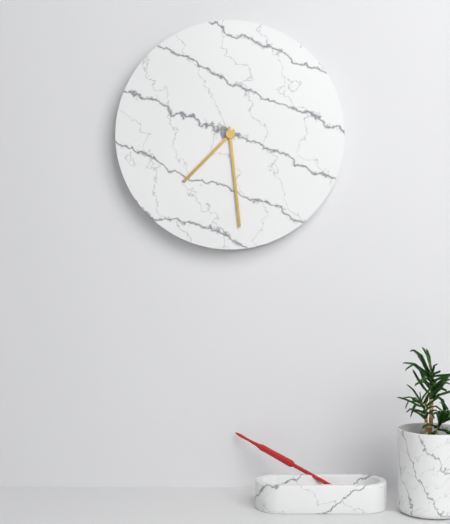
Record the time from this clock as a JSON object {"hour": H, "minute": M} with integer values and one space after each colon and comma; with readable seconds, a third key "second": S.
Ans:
{"hour": 7, "minute": 29}
